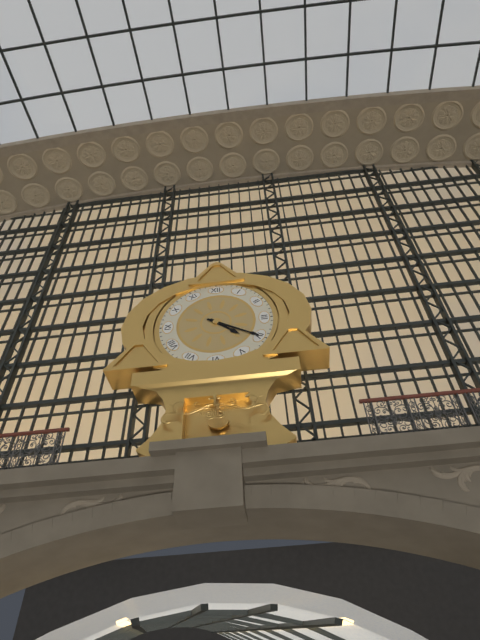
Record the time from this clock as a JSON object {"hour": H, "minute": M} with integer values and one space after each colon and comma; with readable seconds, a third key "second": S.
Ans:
{"hour": 4, "minute": 20}
